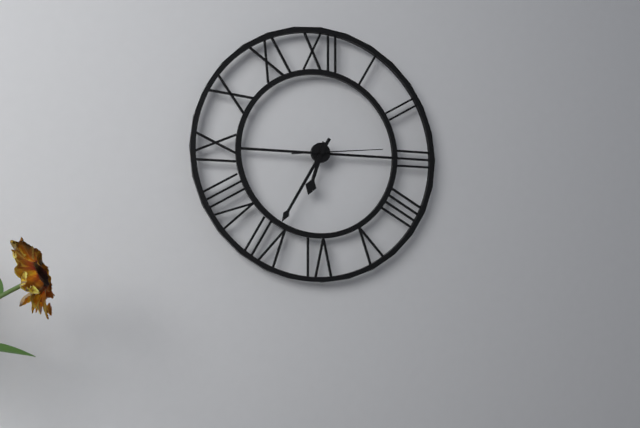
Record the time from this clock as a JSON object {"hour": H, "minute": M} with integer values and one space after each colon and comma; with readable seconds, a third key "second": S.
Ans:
{"hour": 6, "minute": 35, "second": 14}
